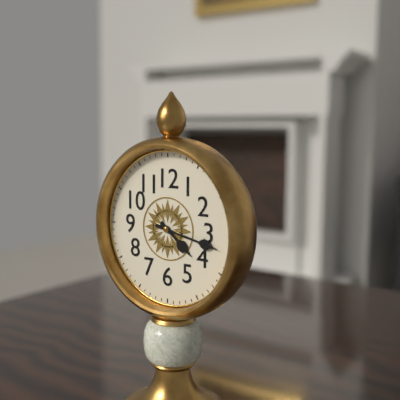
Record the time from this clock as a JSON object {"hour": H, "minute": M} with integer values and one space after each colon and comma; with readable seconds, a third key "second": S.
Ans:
{"hour": 4, "minute": 17}
